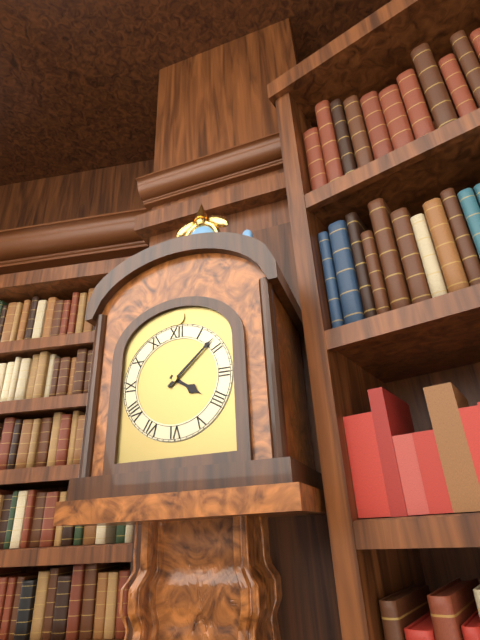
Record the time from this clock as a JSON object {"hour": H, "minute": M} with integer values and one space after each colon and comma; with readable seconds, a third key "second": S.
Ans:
{"hour": 4, "minute": 8}
